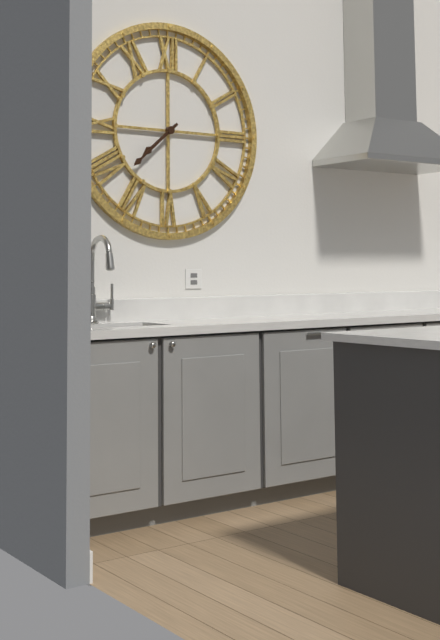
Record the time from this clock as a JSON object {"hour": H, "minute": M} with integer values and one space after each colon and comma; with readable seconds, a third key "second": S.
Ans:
{"hour": 7, "minute": 38}
